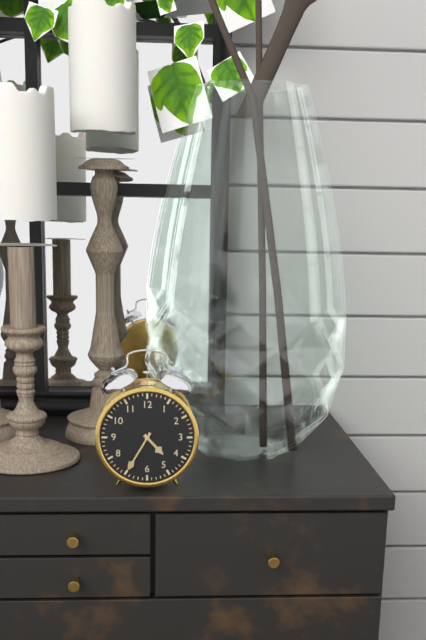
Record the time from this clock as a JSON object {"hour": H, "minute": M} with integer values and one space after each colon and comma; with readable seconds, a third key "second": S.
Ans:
{"hour": 4, "minute": 35}
